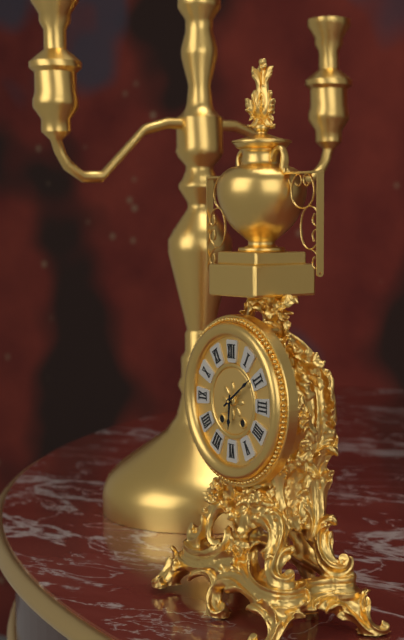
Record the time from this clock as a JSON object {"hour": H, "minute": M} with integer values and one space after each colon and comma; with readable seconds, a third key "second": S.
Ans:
{"hour": 6, "minute": 9}
